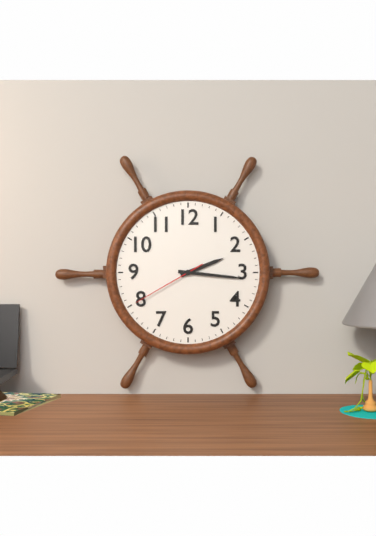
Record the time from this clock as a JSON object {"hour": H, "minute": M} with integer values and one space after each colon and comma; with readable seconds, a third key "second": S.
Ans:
{"hour": 2, "minute": 16, "second": 40}
